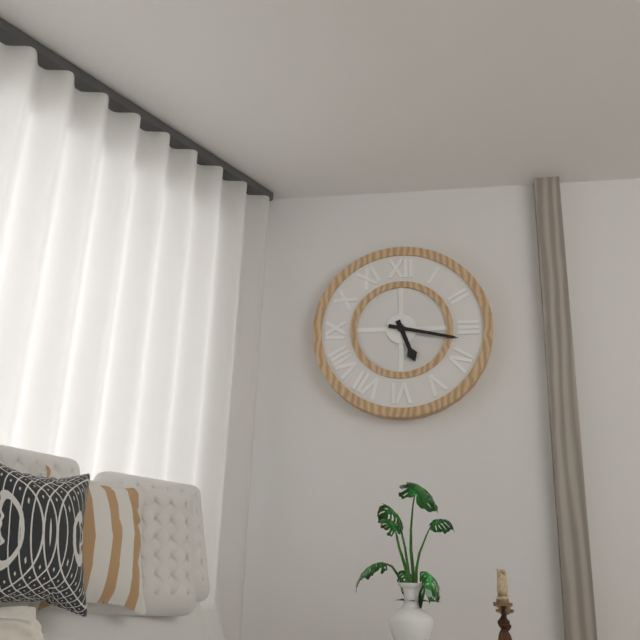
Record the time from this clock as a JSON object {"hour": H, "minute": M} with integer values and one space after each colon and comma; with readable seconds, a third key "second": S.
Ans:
{"hour": 5, "minute": 17}
